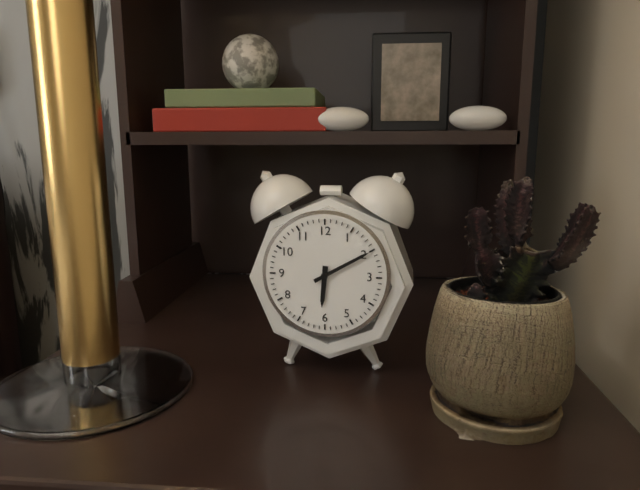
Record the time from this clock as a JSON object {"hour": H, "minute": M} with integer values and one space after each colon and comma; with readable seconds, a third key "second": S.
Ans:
{"hour": 6, "minute": 10}
